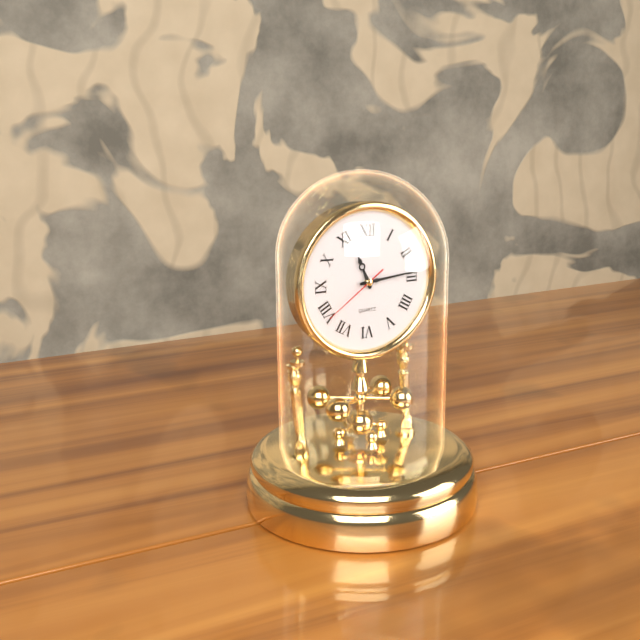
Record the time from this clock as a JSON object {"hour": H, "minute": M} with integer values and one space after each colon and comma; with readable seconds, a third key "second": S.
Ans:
{"hour": 11, "minute": 14, "second": 39}
